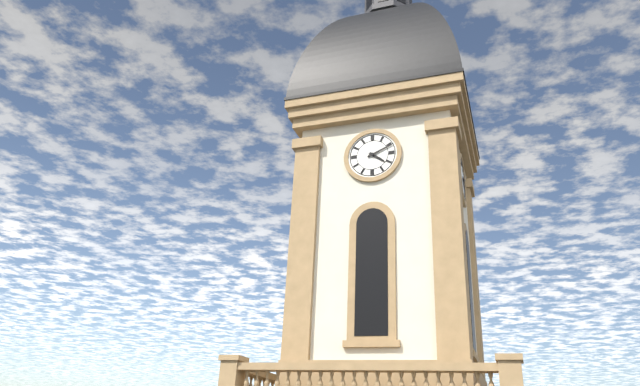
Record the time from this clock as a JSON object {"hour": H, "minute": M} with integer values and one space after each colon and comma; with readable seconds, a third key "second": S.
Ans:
{"hour": 4, "minute": 11}
